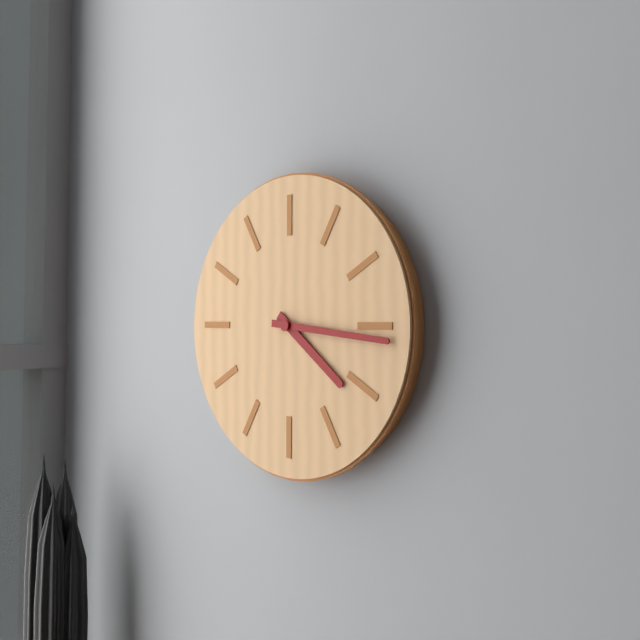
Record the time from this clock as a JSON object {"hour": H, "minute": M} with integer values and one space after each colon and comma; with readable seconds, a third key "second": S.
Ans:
{"hour": 4, "minute": 16}
